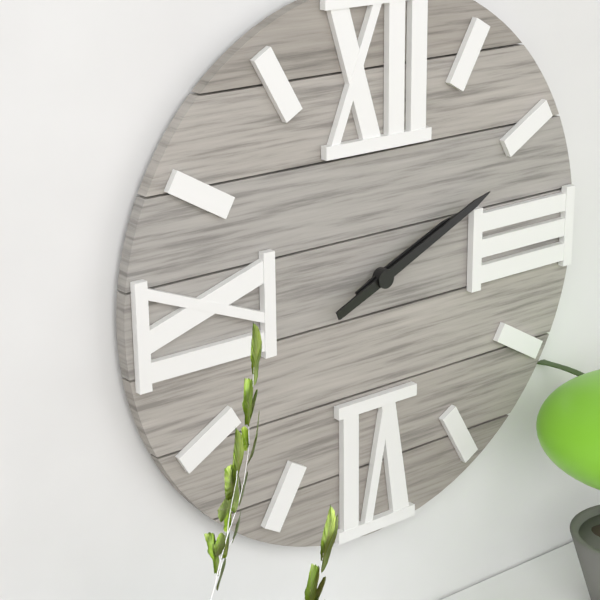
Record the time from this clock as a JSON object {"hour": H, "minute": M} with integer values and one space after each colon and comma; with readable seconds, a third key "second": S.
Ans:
{"hour": 2, "minute": 11}
